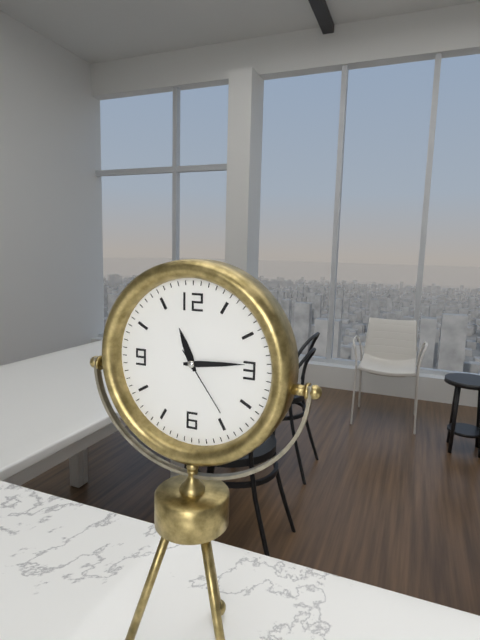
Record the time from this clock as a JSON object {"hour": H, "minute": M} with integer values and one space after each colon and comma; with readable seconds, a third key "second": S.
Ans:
{"hour": 11, "minute": 14, "second": 24}
